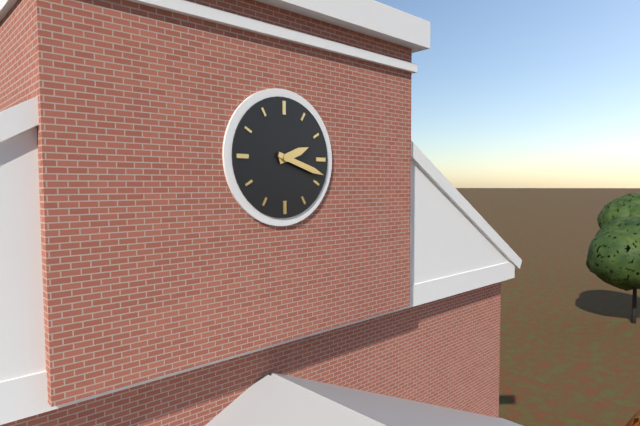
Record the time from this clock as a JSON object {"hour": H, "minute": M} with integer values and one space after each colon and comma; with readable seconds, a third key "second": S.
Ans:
{"hour": 2, "minute": 18}
